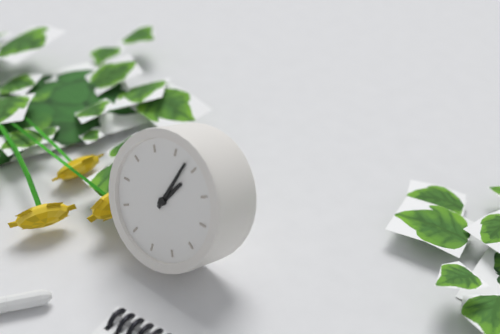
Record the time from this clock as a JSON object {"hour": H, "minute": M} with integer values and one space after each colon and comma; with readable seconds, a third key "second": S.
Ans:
{"hour": 1, "minute": 3}
